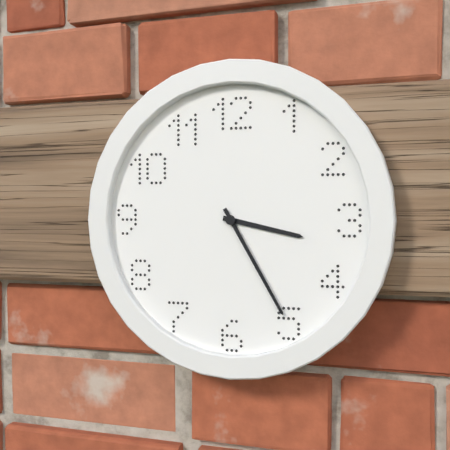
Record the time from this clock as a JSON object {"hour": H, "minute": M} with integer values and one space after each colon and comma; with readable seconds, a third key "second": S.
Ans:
{"hour": 3, "minute": 25}
